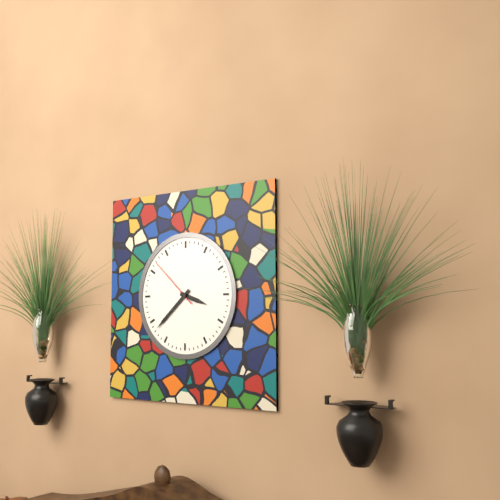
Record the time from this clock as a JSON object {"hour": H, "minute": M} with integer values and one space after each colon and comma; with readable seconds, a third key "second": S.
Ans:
{"hour": 3, "minute": 38, "second": 52}
